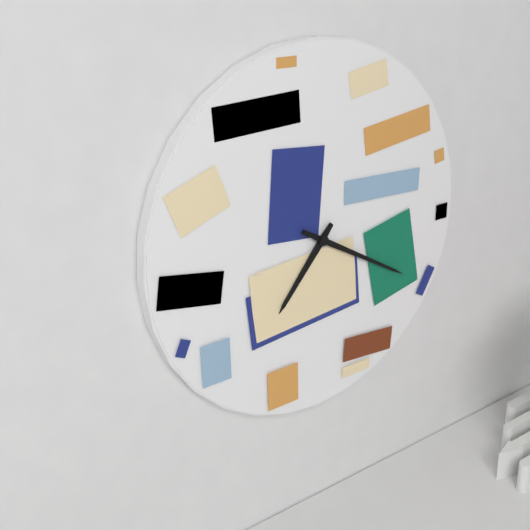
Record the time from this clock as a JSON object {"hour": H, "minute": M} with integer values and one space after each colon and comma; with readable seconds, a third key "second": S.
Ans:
{"hour": 7, "minute": 20}
